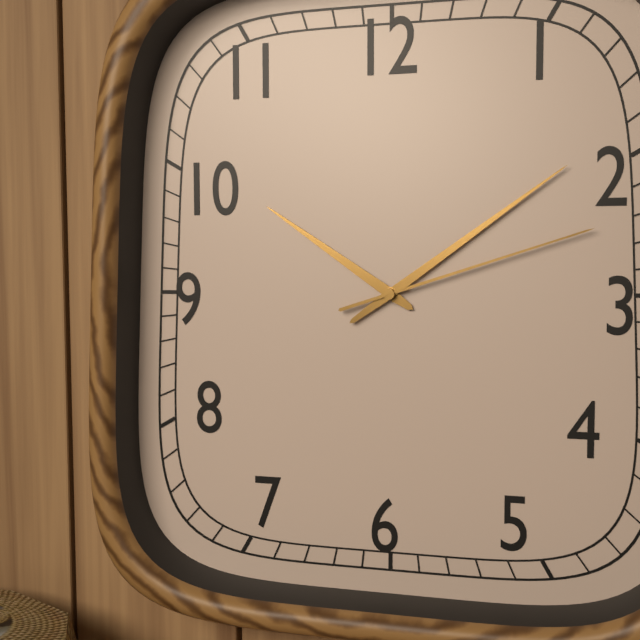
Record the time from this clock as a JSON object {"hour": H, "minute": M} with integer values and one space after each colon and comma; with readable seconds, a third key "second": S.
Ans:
{"hour": 10, "minute": 9, "second": 12}
